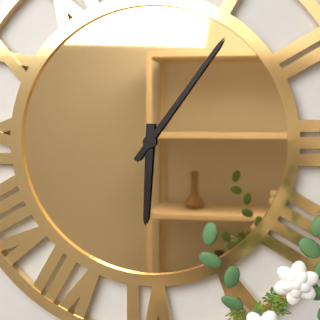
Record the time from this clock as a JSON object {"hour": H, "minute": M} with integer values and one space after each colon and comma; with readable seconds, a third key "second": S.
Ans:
{"hour": 6, "minute": 6}
